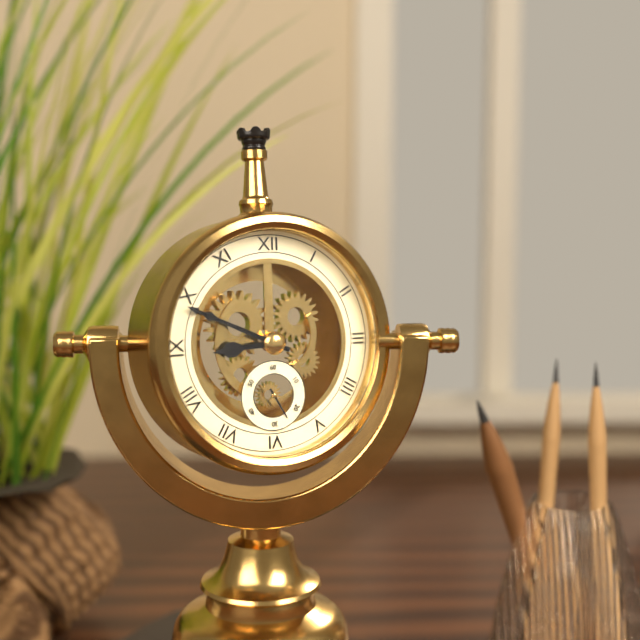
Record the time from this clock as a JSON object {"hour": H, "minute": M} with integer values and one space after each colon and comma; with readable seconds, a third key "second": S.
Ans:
{"hour": 8, "minute": 49}
